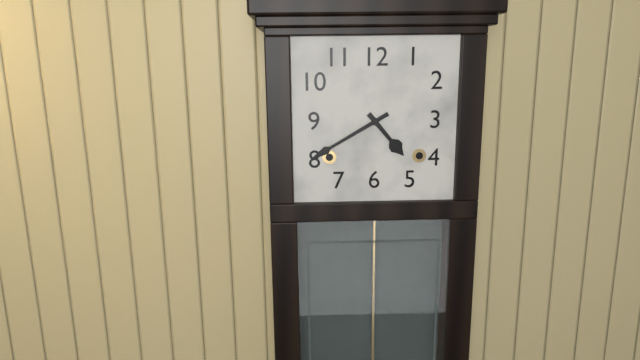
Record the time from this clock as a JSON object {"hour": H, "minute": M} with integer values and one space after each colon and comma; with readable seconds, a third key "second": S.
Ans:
{"hour": 4, "minute": 40}
